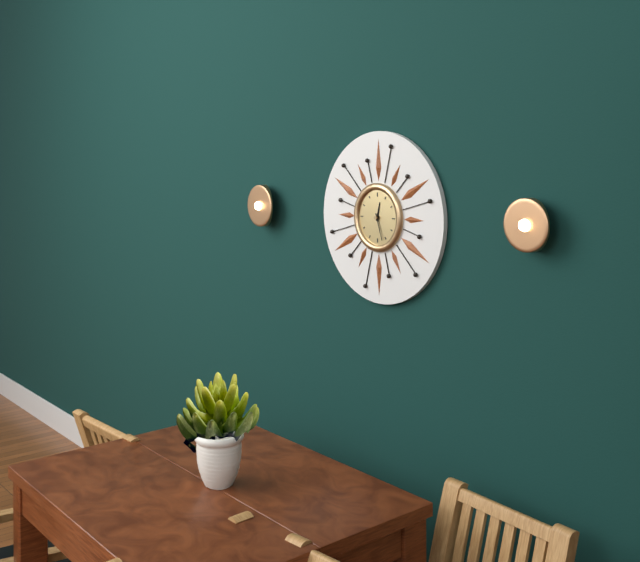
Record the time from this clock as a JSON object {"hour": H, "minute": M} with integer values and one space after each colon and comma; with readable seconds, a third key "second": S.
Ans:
{"hour": 12, "minute": 27}
